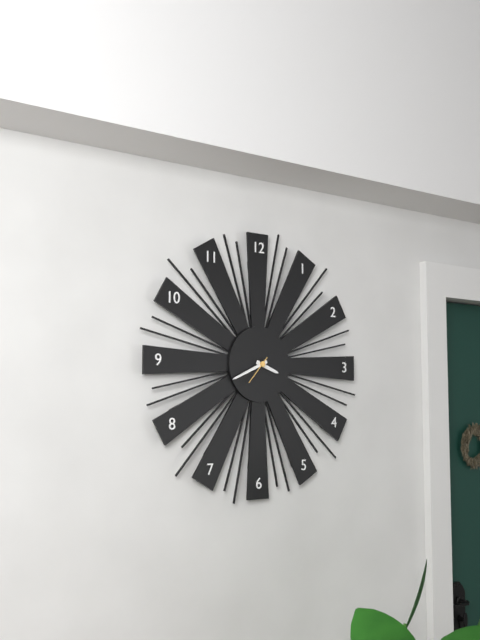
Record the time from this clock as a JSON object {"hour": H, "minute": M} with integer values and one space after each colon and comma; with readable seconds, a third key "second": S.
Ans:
{"hour": 3, "minute": 41}
